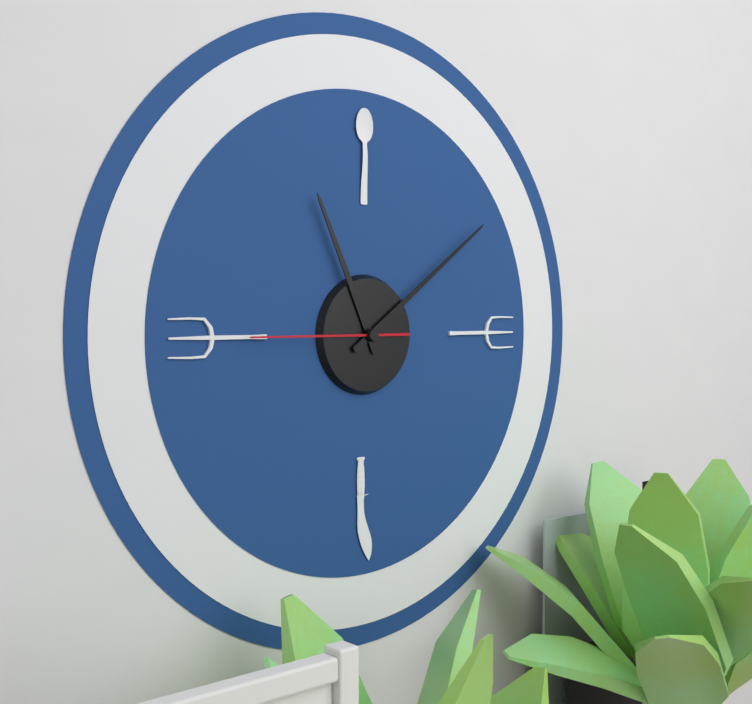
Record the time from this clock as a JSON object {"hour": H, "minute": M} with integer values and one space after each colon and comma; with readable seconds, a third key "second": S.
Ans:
{"hour": 11, "minute": 9, "second": 45}
